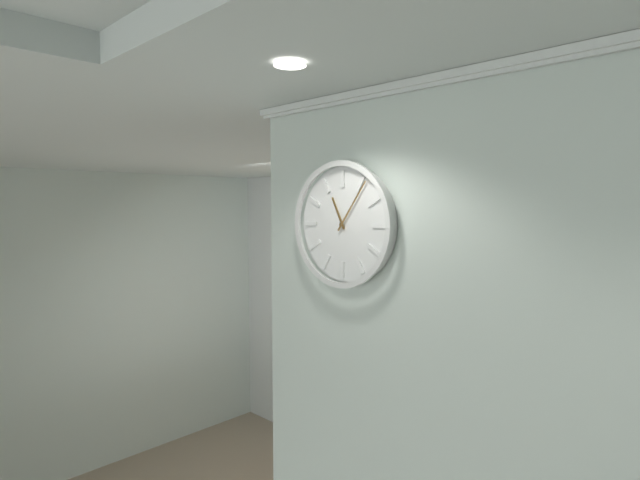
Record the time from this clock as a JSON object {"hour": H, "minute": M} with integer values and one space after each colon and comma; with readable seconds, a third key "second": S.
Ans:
{"hour": 11, "minute": 6}
